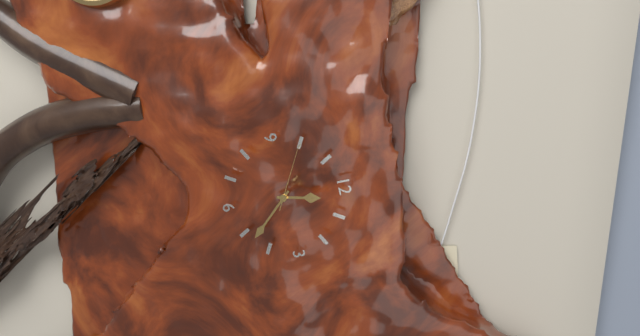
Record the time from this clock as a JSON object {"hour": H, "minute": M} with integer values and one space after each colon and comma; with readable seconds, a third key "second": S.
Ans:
{"hour": 12, "minute": 23, "second": 50}
